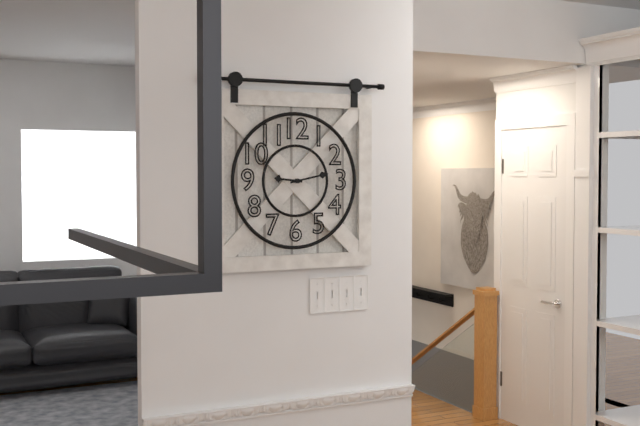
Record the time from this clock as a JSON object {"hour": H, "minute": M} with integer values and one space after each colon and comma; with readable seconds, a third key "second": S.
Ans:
{"hour": 9, "minute": 13}
